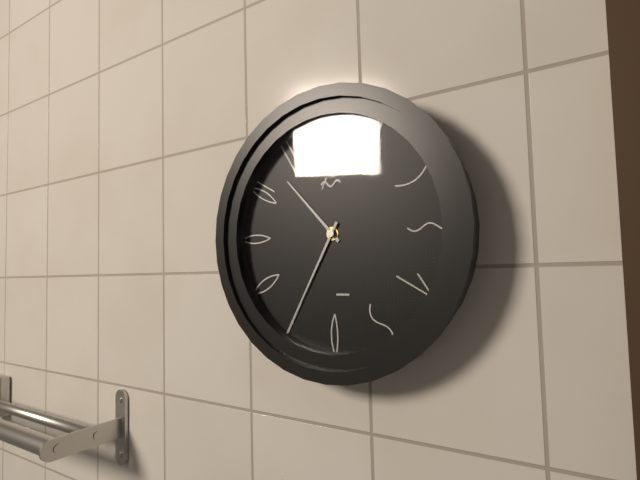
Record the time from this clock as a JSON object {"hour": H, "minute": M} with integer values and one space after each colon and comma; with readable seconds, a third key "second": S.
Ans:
{"hour": 10, "minute": 35}
